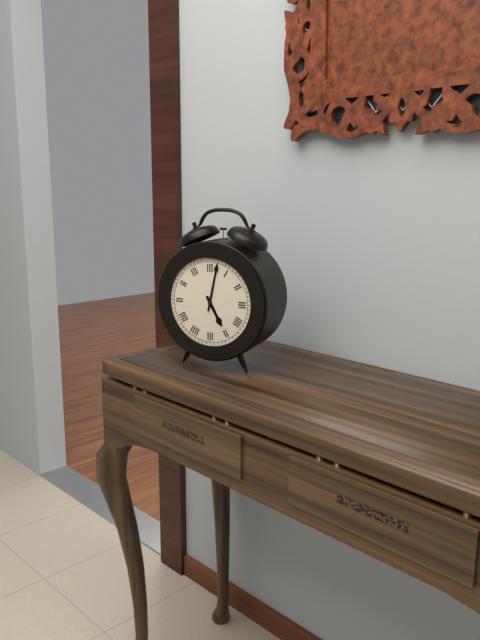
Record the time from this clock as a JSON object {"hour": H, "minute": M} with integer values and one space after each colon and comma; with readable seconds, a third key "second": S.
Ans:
{"hour": 5, "minute": 2}
